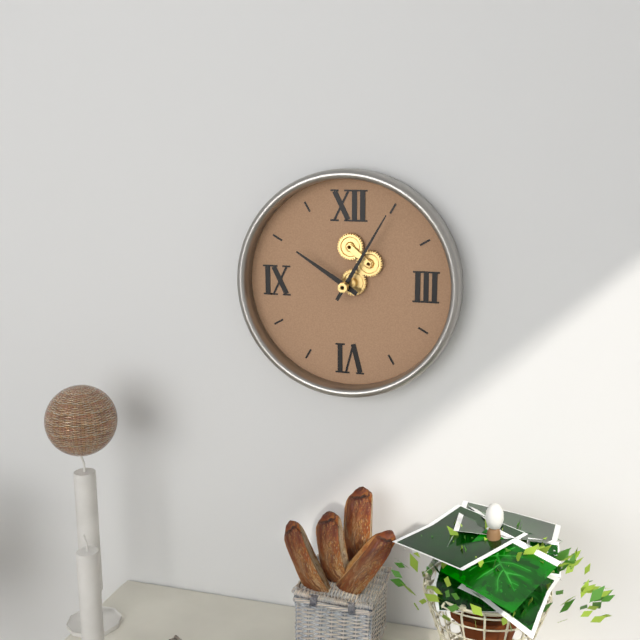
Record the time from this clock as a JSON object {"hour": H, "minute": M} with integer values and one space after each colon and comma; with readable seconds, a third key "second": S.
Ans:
{"hour": 10, "minute": 5}
